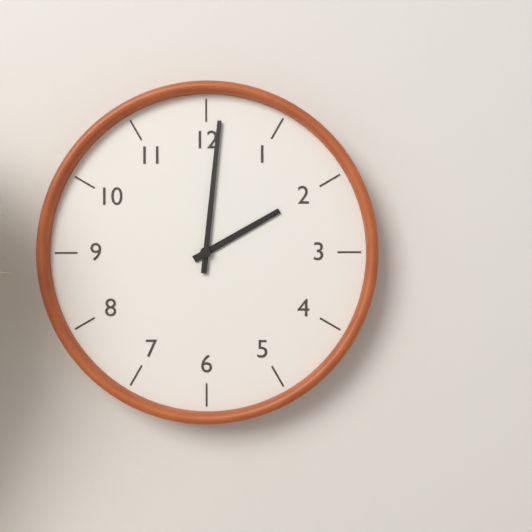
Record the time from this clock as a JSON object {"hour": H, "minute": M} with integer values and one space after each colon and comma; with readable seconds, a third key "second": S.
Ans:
{"hour": 2, "minute": 1}
